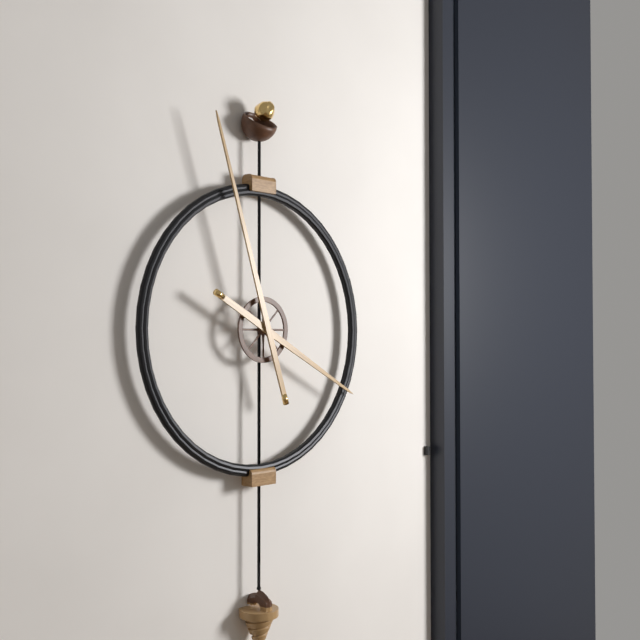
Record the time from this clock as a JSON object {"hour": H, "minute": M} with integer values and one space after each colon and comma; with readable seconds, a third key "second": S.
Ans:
{"hour": 3, "minute": 57}
